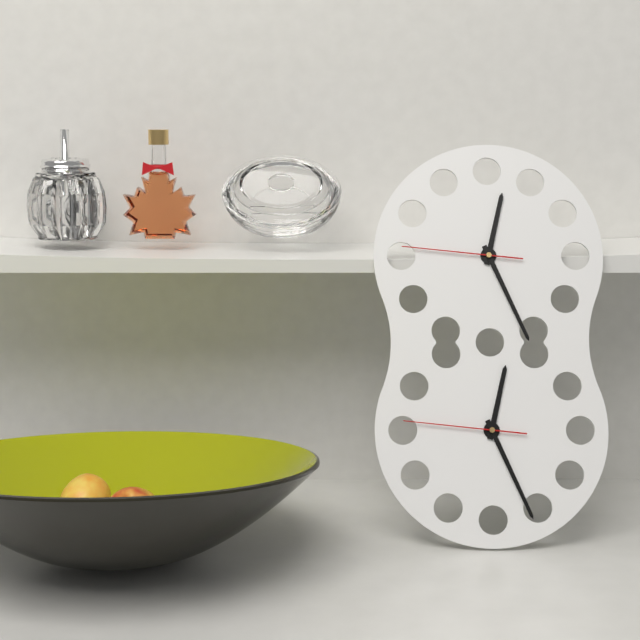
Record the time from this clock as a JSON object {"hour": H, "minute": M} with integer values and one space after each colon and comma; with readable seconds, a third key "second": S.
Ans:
{"hour": 12, "minute": 26, "second": 46}
